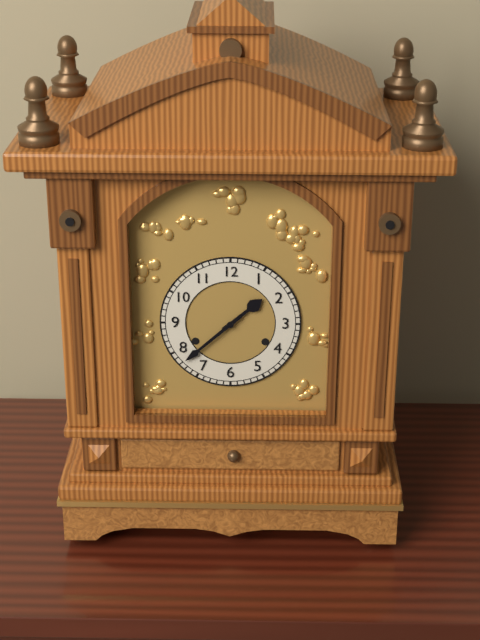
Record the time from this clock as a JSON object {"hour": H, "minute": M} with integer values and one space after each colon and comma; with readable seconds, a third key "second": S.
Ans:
{"hour": 1, "minute": 38}
